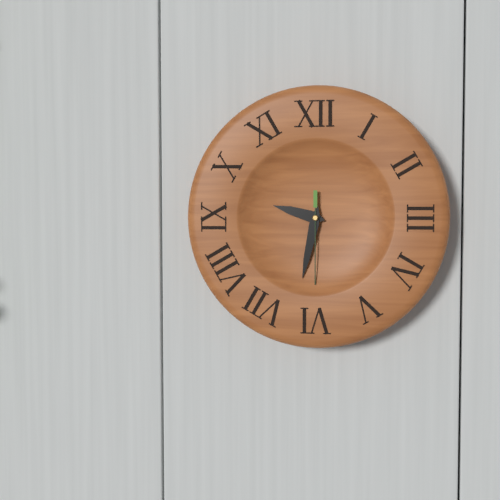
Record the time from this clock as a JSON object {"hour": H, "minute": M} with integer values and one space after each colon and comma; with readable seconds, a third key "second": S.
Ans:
{"hour": 9, "minute": 32, "second": 30}
